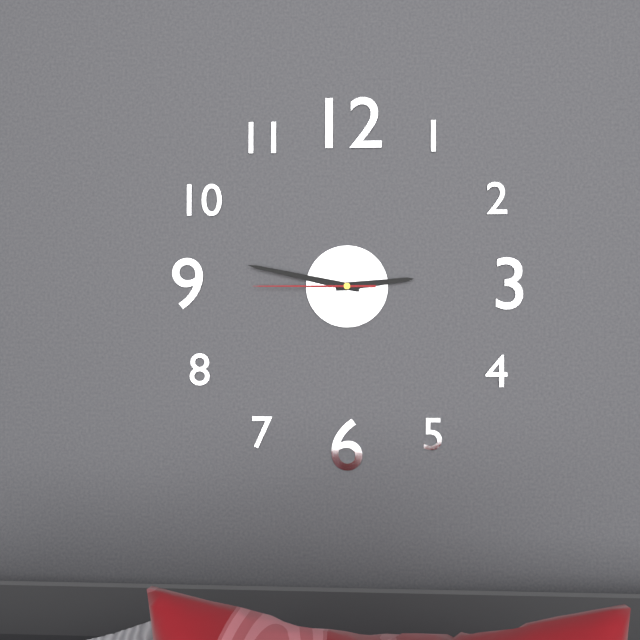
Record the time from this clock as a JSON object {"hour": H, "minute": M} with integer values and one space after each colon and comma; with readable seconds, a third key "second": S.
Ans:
{"hour": 2, "minute": 47, "second": 45}
